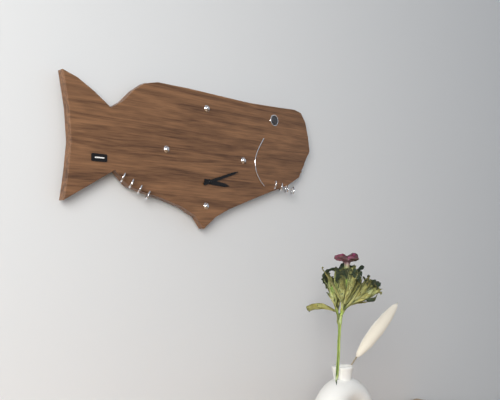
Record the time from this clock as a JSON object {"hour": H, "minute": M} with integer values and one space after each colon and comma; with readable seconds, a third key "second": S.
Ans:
{"hour": 3, "minute": 12}
